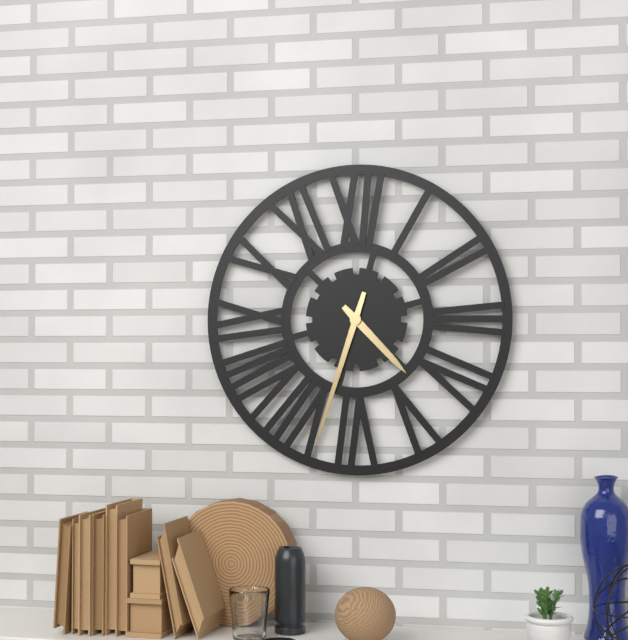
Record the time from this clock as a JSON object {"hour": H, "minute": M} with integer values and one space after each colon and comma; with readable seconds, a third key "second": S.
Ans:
{"hour": 4, "minute": 33}
